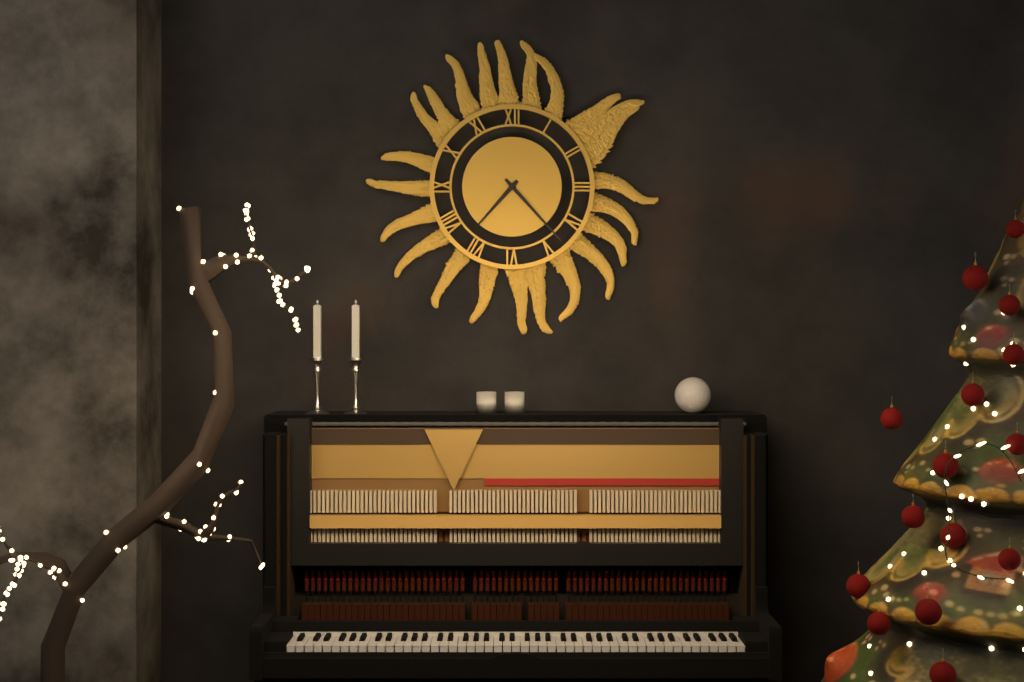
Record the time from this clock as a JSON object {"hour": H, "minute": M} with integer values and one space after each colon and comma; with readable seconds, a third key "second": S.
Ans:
{"hour": 7, "minute": 23}
